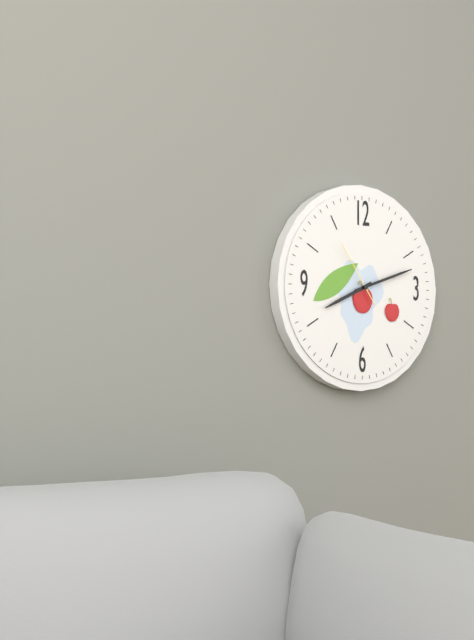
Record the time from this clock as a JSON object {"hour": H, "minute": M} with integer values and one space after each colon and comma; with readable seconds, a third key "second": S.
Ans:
{"hour": 8, "minute": 12, "second": 54}
